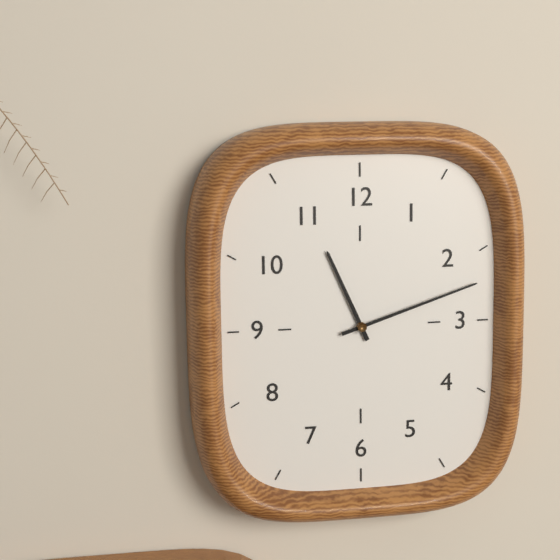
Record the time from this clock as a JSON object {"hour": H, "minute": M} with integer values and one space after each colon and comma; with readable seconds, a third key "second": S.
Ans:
{"hour": 11, "minute": 12}
